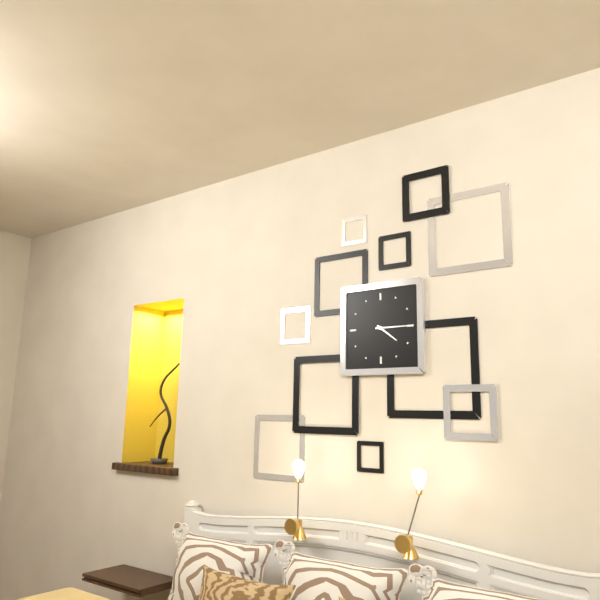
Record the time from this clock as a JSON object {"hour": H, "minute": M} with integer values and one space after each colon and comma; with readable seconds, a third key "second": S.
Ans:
{"hour": 4, "minute": 15}
